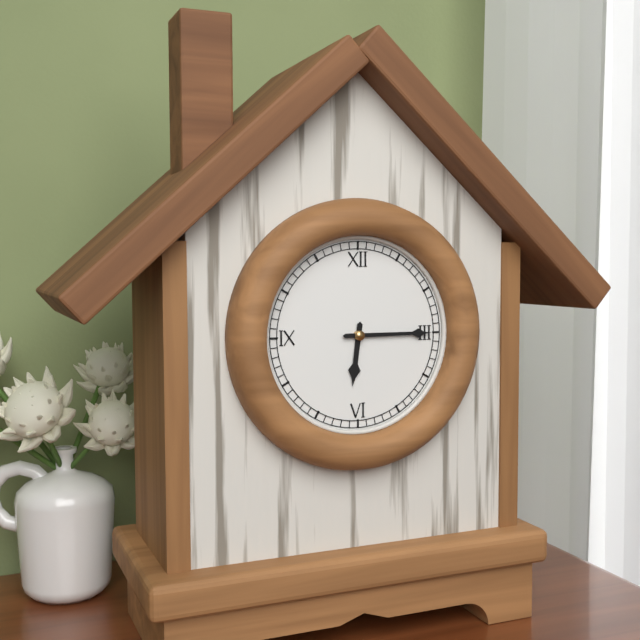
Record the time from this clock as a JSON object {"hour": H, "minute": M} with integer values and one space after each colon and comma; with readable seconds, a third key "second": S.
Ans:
{"hour": 6, "minute": 15}
